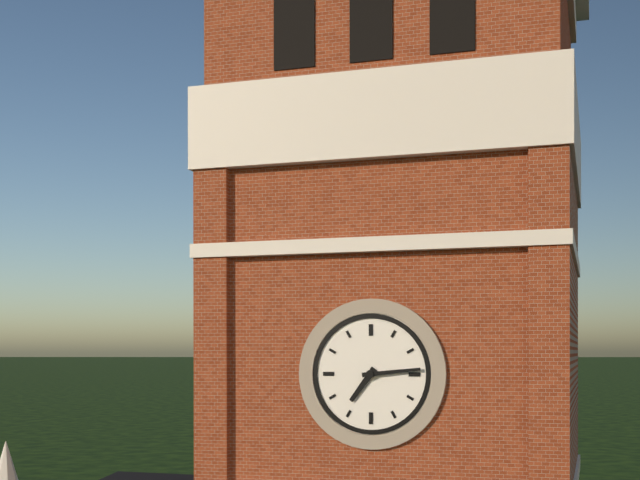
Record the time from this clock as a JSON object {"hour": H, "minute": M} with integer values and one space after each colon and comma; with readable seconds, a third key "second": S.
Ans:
{"hour": 7, "minute": 14}
